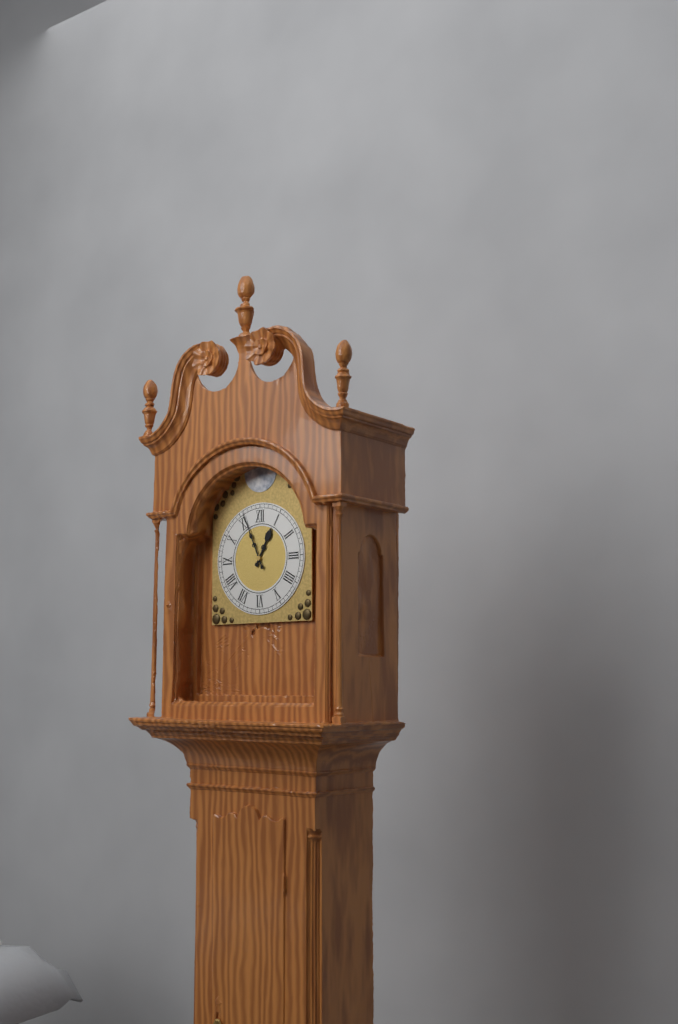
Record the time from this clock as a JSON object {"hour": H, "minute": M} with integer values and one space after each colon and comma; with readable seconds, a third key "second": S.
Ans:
{"hour": 12, "minute": 56}
